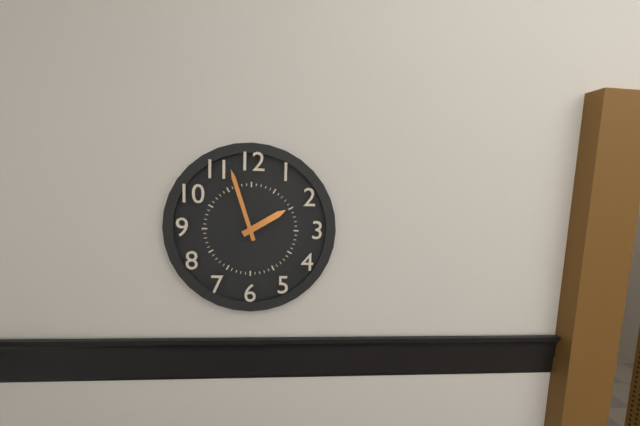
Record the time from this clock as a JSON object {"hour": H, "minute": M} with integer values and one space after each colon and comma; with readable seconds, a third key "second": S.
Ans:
{"hour": 1, "minute": 57}
